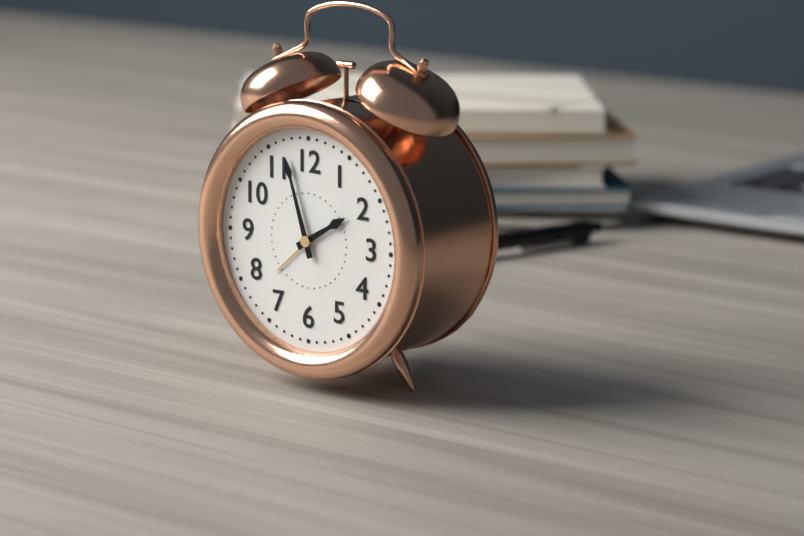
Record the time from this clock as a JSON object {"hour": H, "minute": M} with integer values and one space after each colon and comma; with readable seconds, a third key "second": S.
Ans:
{"hour": 1, "minute": 57}
